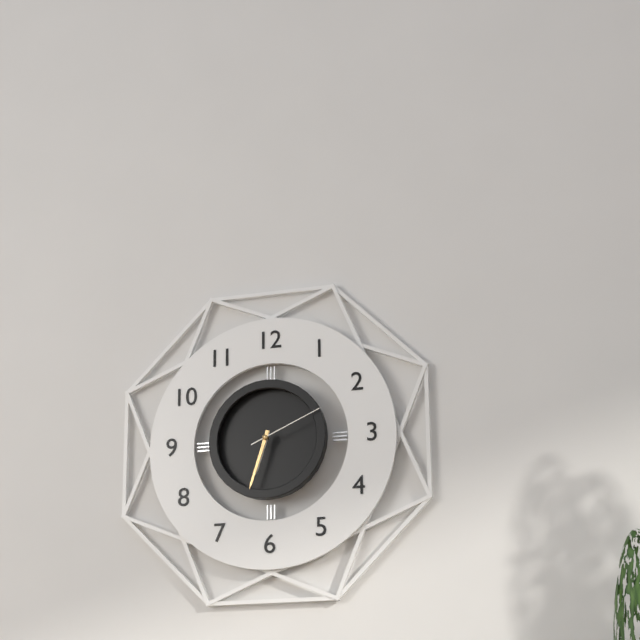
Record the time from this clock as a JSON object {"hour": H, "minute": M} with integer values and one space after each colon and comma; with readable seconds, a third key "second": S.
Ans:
{"hour": 6, "minute": 33, "second": 11}
